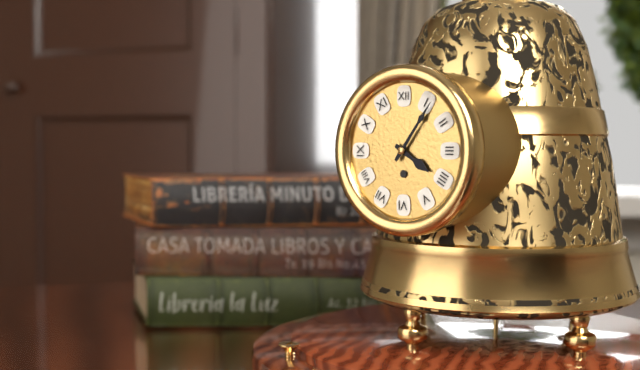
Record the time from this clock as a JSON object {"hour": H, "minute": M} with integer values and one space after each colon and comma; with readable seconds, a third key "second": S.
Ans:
{"hour": 4, "minute": 6}
